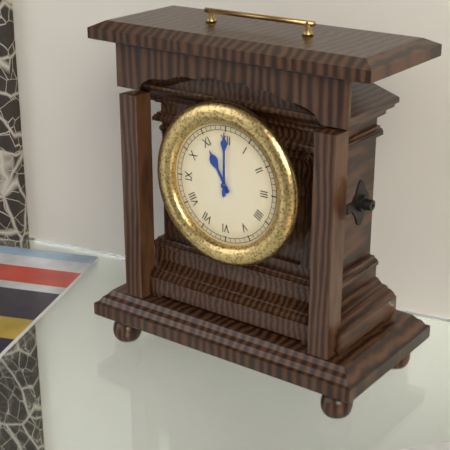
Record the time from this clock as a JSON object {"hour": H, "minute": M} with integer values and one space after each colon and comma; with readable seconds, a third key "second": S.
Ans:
{"hour": 11, "minute": 0}
